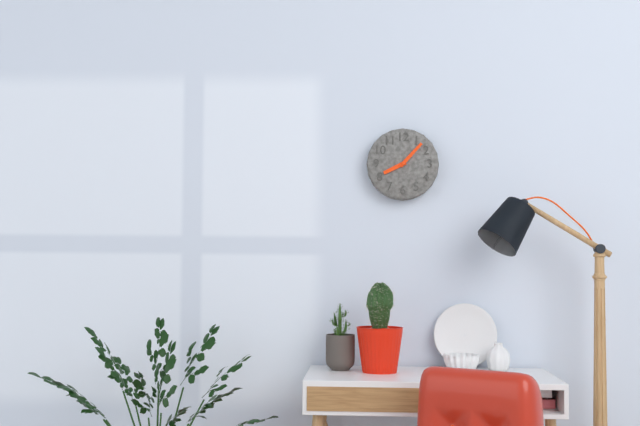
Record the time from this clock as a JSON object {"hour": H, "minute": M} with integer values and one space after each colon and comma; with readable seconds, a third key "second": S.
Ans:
{"hour": 8, "minute": 7}
